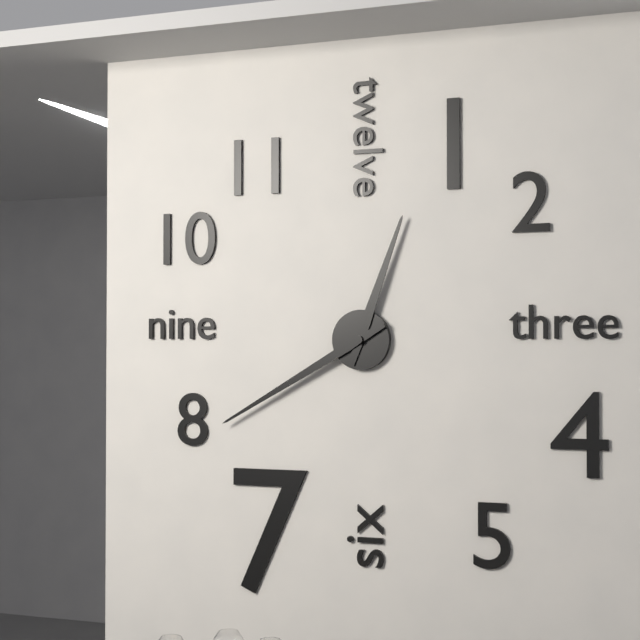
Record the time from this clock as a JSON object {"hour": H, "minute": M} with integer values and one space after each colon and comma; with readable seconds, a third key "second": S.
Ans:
{"hour": 12, "minute": 40}
